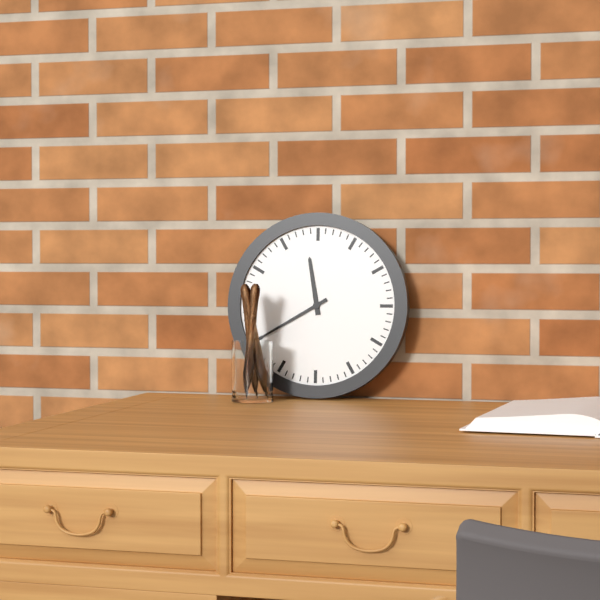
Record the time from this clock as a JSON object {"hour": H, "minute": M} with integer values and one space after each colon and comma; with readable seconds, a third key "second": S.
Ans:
{"hour": 11, "minute": 40}
